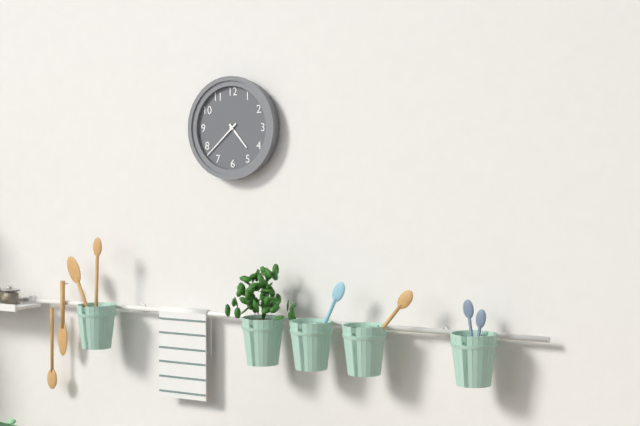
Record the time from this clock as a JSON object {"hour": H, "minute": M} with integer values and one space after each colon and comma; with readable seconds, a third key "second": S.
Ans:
{"hour": 4, "minute": 38}
